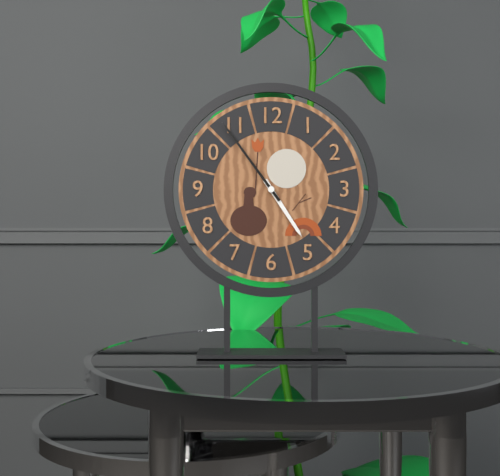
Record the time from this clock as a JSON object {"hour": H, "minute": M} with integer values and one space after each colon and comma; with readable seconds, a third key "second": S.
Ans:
{"hour": 4, "minute": 54}
